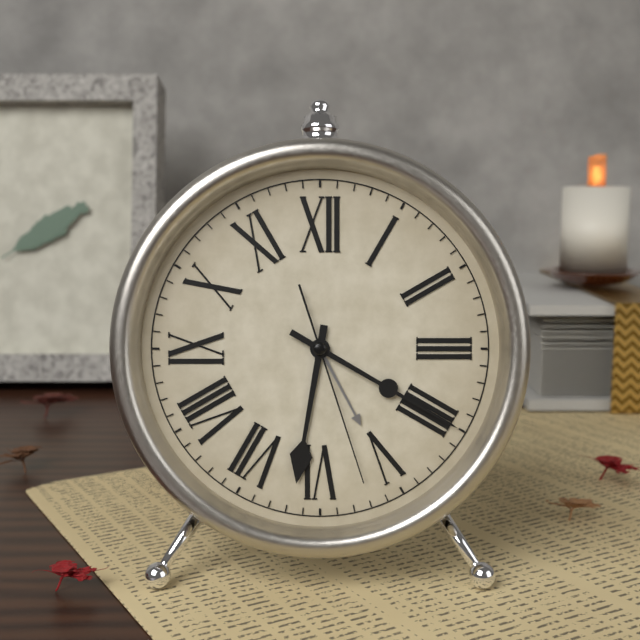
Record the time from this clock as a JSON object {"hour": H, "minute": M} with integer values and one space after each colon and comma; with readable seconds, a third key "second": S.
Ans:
{"hour": 6, "minute": 20, "second": 27}
